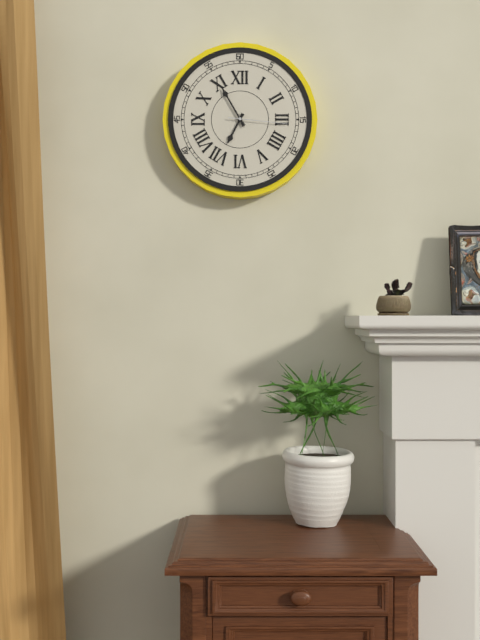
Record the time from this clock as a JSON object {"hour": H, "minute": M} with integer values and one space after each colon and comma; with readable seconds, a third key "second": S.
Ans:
{"hour": 6, "minute": 55, "second": 16}
